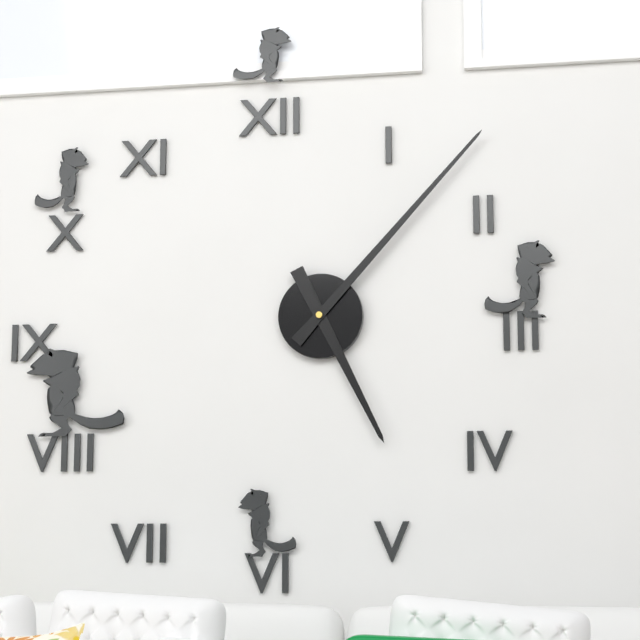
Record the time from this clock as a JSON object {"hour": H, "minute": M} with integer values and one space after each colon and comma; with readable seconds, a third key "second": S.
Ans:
{"hour": 5, "minute": 7}
